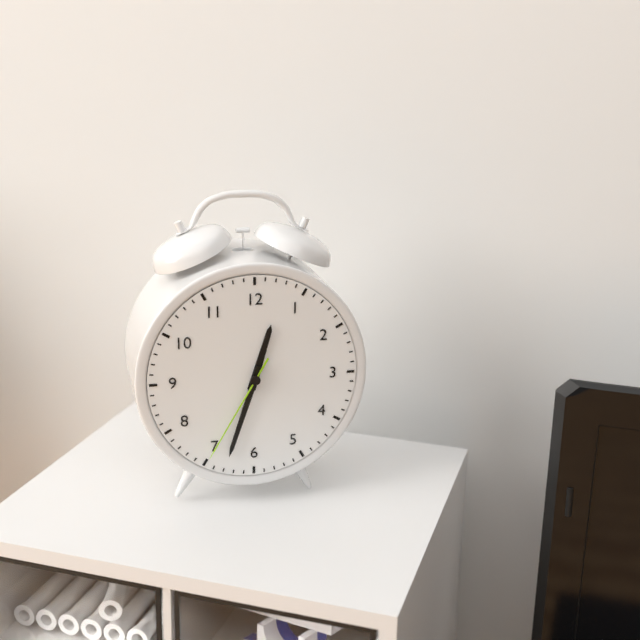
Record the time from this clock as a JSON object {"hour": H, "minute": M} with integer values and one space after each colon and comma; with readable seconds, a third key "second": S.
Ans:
{"hour": 12, "minute": 33, "second": 35}
